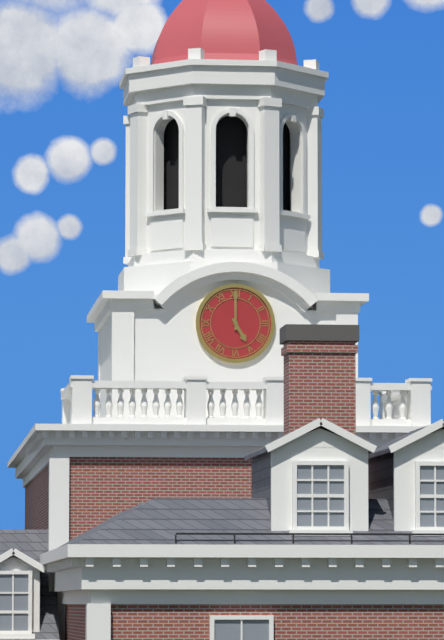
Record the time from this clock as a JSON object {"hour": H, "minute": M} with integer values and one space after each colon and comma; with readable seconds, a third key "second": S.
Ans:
{"hour": 5, "minute": 0}
